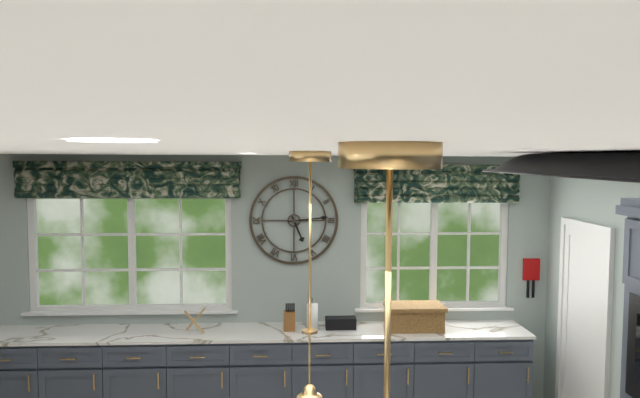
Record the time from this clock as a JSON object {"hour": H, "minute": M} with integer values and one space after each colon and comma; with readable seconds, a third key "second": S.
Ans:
{"hour": 5, "minute": 14}
